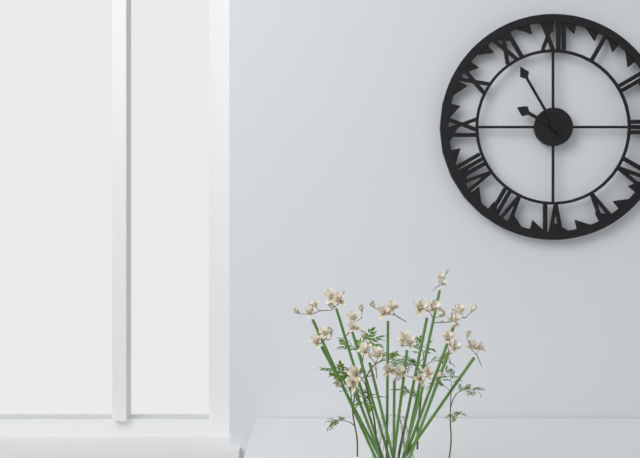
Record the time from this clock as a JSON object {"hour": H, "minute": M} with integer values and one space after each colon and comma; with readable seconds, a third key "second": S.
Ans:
{"hour": 9, "minute": 55}
